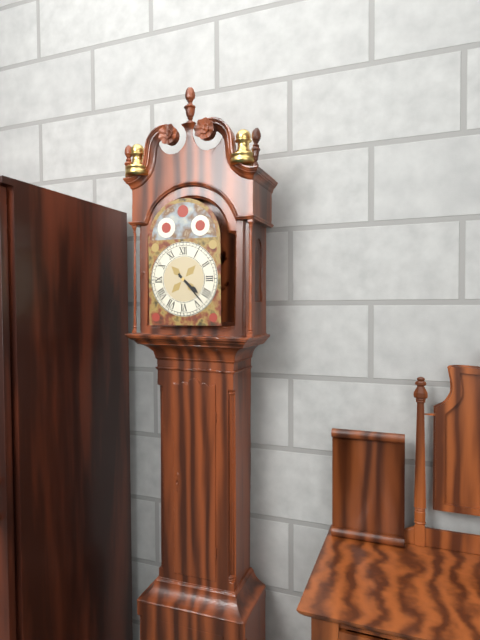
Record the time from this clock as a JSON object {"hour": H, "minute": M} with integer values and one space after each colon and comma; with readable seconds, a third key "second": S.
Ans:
{"hour": 4, "minute": 23}
